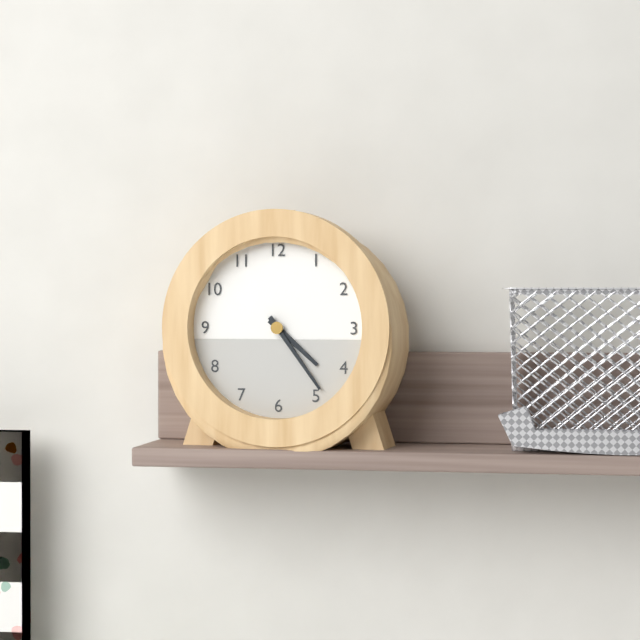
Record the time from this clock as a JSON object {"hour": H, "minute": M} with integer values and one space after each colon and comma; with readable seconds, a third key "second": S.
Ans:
{"hour": 4, "minute": 24}
